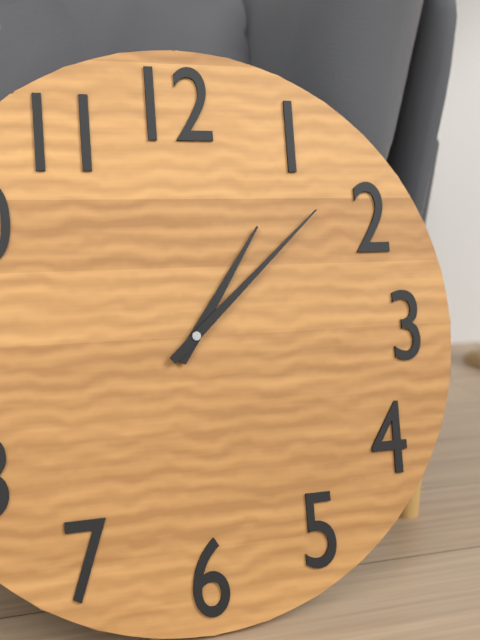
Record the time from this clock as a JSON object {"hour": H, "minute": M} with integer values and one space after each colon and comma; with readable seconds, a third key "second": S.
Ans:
{"hour": 1, "minute": 8}
